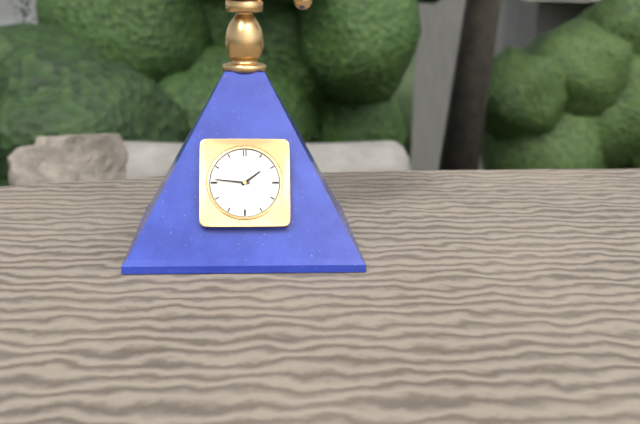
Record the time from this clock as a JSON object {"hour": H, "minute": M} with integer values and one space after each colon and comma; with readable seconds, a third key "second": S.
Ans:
{"hour": 1, "minute": 46}
